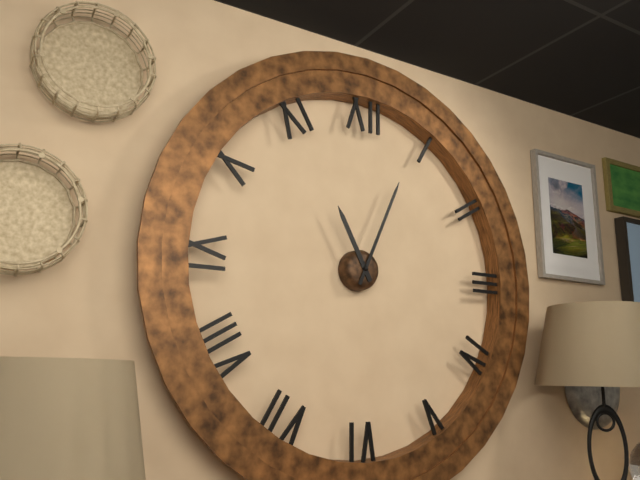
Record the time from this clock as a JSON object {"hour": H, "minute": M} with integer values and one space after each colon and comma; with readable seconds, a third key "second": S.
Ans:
{"hour": 11, "minute": 4}
